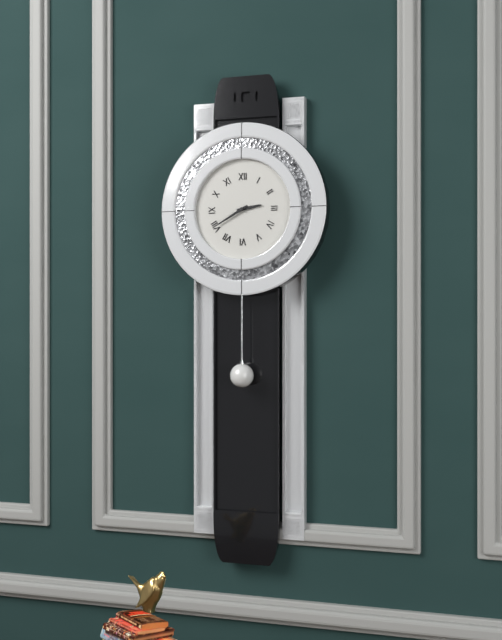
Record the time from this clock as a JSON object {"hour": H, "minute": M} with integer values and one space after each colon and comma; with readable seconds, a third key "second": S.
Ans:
{"hour": 2, "minute": 40}
